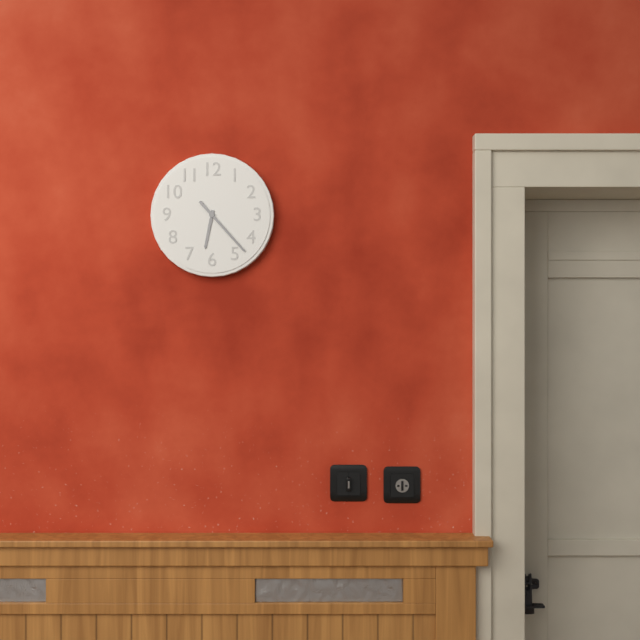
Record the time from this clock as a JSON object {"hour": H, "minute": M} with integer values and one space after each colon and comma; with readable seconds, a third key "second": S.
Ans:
{"hour": 6, "minute": 23}
